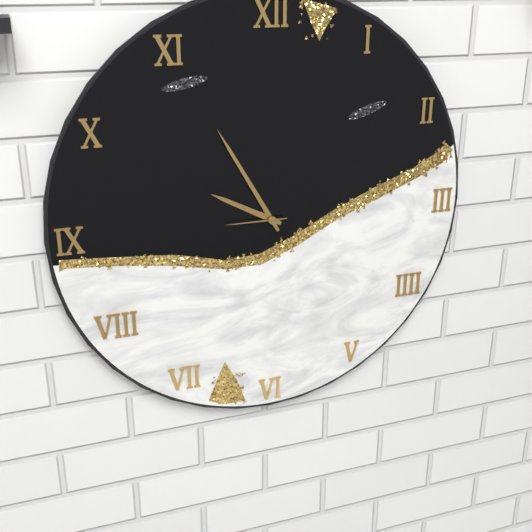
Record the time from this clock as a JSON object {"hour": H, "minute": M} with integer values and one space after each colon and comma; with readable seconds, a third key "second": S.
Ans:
{"hour": 9, "minute": 55, "second": 45}
